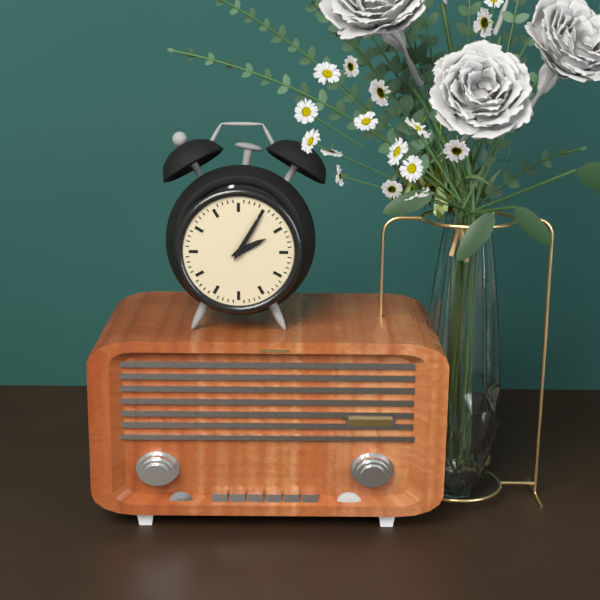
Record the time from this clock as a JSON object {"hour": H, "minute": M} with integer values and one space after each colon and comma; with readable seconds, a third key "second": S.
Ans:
{"hour": 2, "minute": 5}
